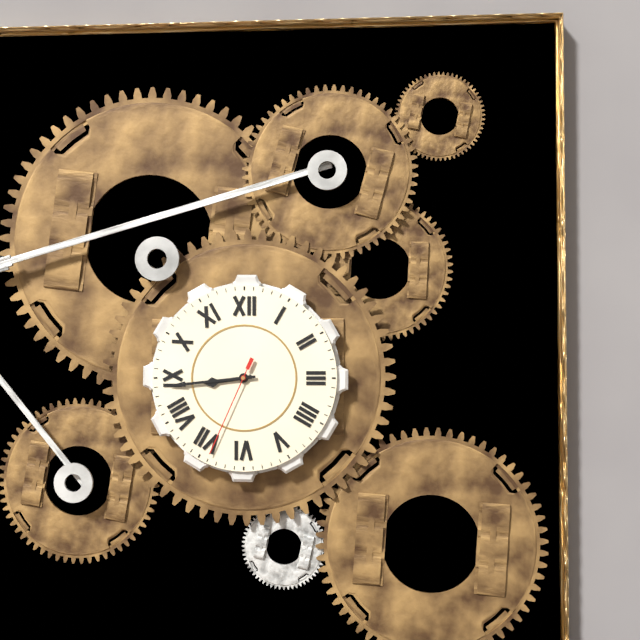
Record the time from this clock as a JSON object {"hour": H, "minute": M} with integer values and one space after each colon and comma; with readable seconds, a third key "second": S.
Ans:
{"hour": 8, "minute": 44, "second": 34}
